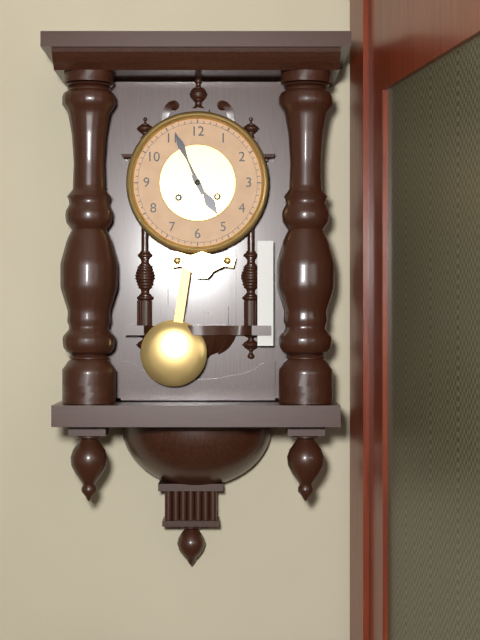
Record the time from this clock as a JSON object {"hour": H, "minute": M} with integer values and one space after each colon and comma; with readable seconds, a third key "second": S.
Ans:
{"hour": 4, "minute": 56}
